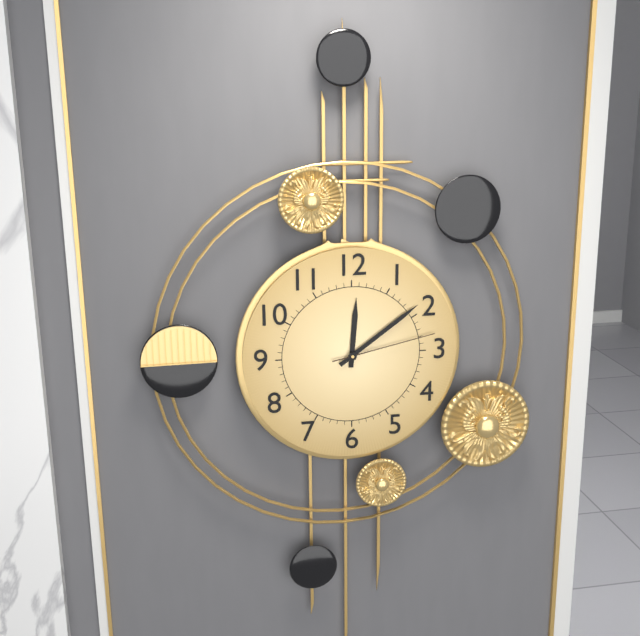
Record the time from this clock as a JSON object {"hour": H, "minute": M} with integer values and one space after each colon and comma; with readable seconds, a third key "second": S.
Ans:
{"hour": 12, "minute": 9, "second": 13}
